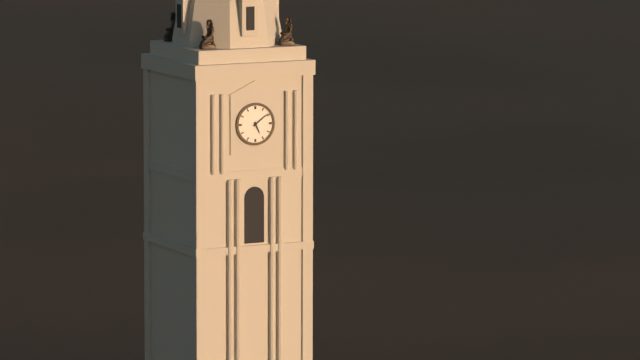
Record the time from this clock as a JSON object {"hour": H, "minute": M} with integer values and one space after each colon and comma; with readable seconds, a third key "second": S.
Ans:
{"hour": 5, "minute": 9}
